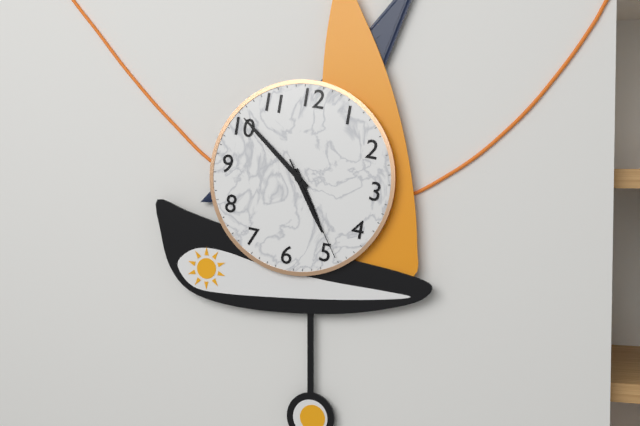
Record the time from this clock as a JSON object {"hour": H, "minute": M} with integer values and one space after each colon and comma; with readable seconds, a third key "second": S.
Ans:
{"hour": 4, "minute": 51, "second": 24}
